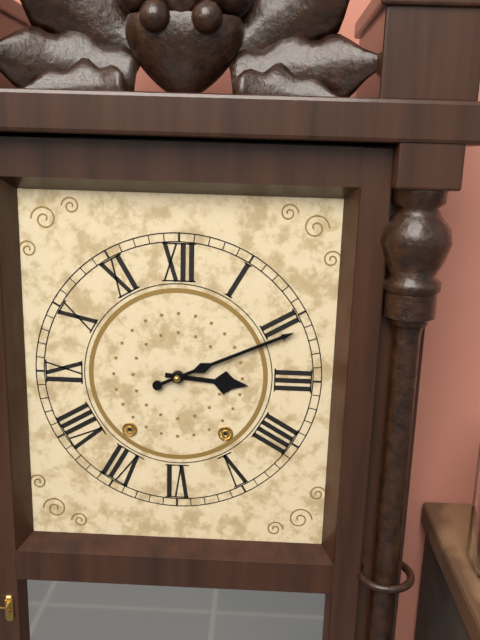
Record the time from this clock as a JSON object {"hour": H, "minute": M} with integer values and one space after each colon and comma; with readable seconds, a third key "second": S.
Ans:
{"hour": 3, "minute": 11}
